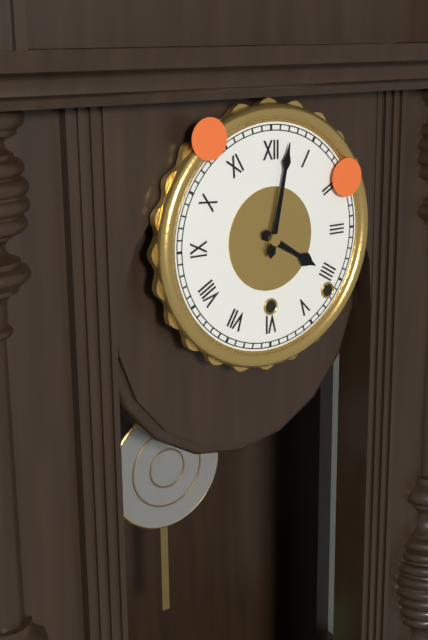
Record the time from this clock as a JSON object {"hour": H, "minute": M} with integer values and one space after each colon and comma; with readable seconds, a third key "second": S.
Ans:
{"hour": 4, "minute": 2}
